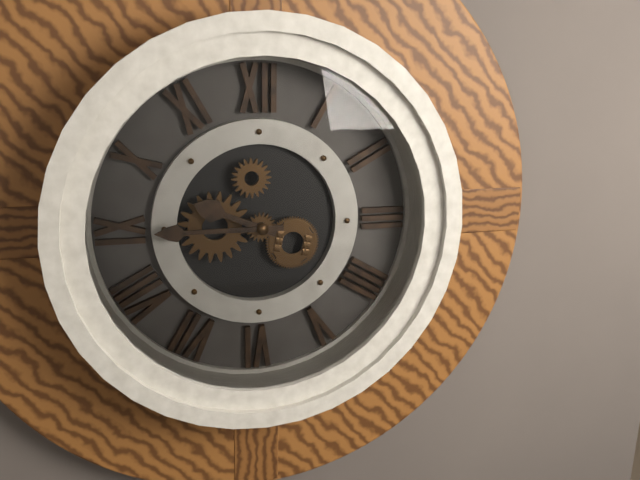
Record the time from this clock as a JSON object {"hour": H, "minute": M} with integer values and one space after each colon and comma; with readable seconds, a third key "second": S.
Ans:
{"hour": 9, "minute": 45}
